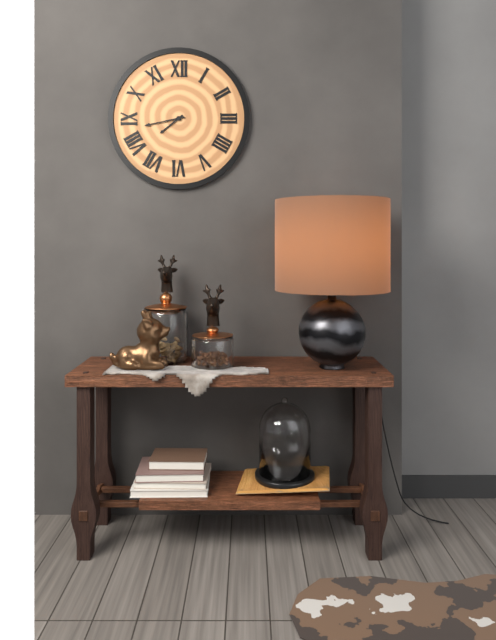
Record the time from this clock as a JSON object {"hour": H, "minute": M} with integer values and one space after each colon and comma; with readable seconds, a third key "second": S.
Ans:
{"hour": 7, "minute": 43}
